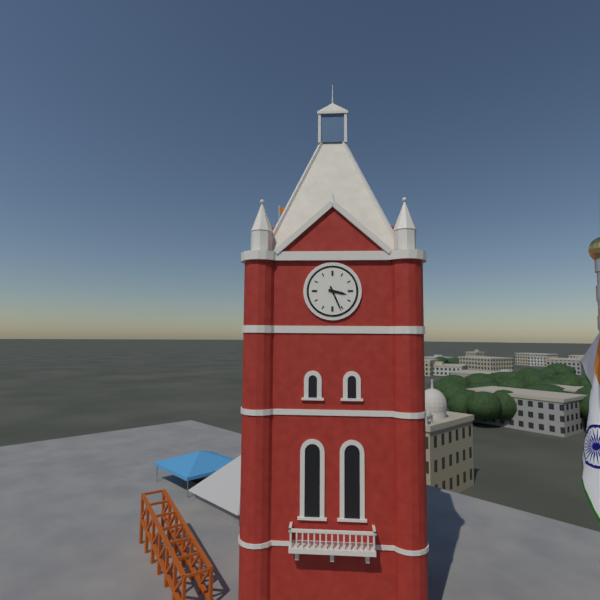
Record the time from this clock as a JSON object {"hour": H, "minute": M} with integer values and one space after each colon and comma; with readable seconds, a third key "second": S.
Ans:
{"hour": 3, "minute": 26}
